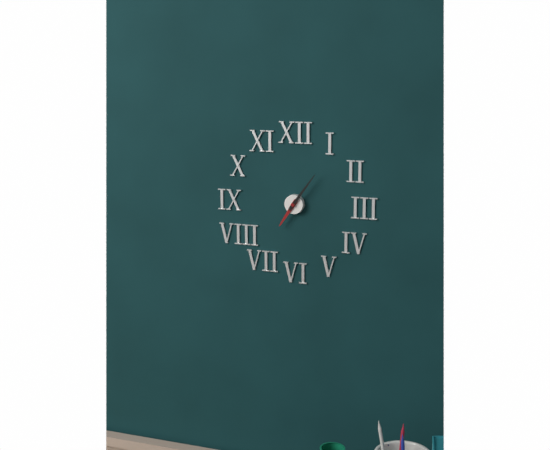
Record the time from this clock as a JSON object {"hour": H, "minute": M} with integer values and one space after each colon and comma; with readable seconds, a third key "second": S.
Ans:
{"hour": 7, "minute": 6}
